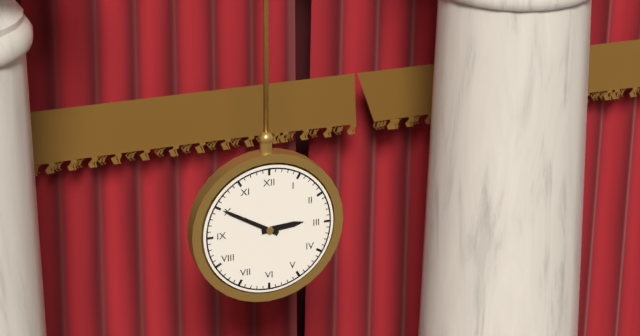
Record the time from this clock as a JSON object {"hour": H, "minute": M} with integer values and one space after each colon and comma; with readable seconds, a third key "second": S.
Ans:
{"hour": 2, "minute": 50}
